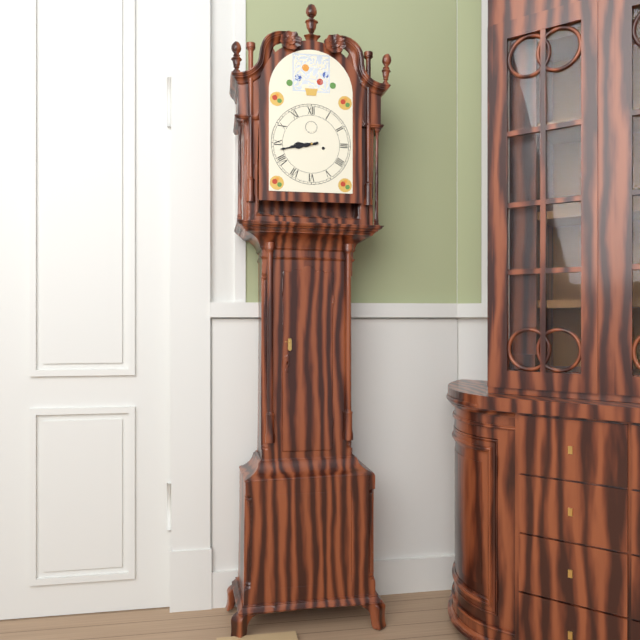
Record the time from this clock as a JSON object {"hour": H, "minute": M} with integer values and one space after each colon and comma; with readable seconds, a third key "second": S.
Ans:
{"hour": 8, "minute": 43}
